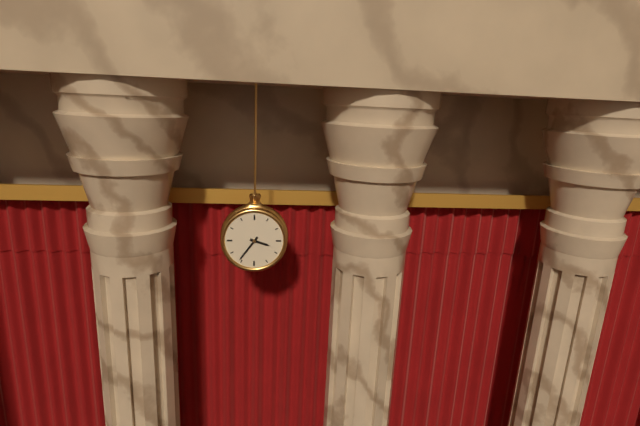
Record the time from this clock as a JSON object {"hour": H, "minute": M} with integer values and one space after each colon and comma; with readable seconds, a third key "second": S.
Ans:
{"hour": 3, "minute": 36}
